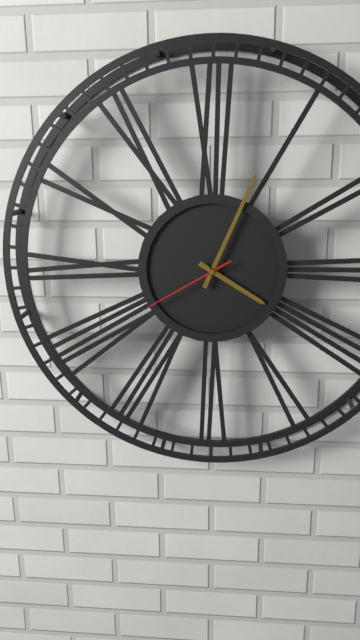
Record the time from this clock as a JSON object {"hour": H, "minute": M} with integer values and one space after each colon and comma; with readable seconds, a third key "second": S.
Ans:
{"hour": 4, "minute": 4, "second": 40}
